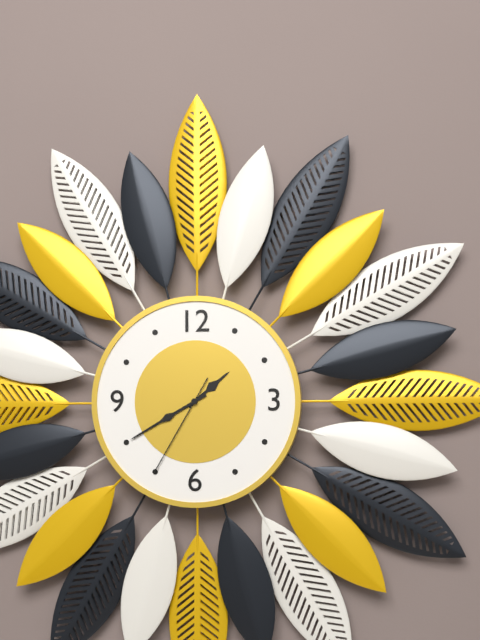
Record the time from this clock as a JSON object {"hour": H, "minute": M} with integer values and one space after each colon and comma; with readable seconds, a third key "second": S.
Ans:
{"hour": 1, "minute": 40, "second": 35}
